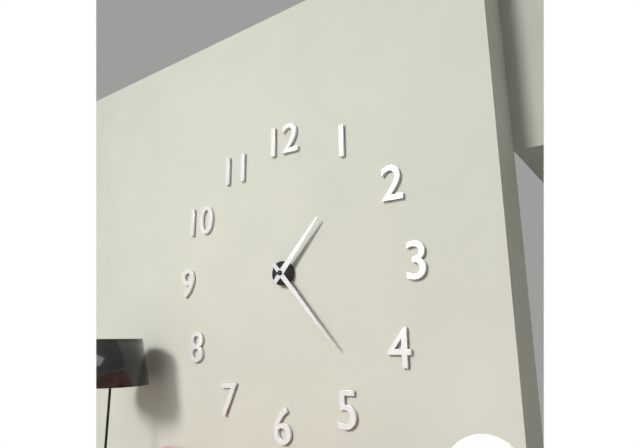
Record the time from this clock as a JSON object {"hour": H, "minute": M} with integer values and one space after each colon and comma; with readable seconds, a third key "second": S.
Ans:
{"hour": 1, "minute": 23}
